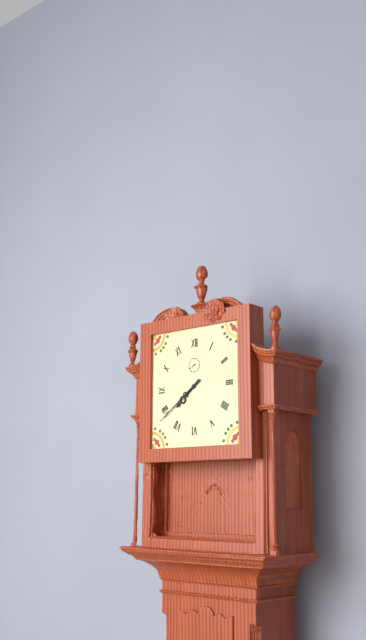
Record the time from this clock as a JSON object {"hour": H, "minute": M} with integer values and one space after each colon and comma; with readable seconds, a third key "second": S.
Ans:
{"hour": 7, "minute": 39}
